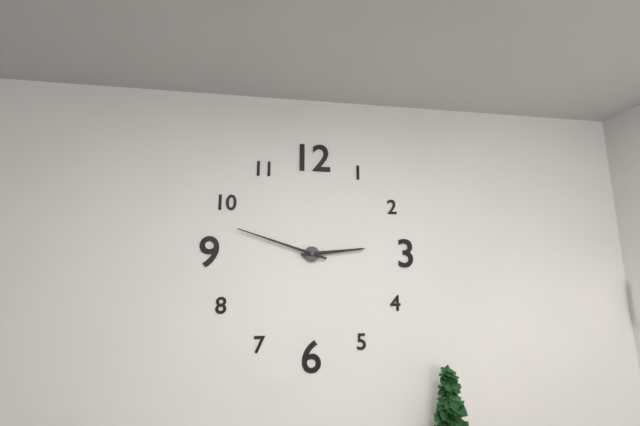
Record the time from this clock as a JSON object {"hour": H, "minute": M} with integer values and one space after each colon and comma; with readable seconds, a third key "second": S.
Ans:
{"hour": 2, "minute": 48}
